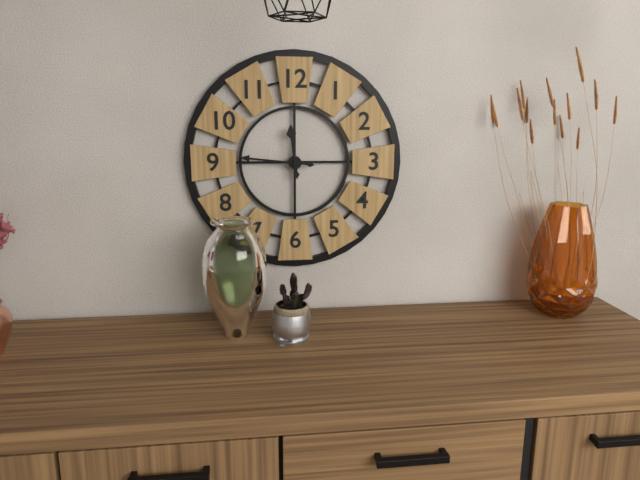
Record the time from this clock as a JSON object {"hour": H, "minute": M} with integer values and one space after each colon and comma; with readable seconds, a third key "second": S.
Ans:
{"hour": 11, "minute": 46}
